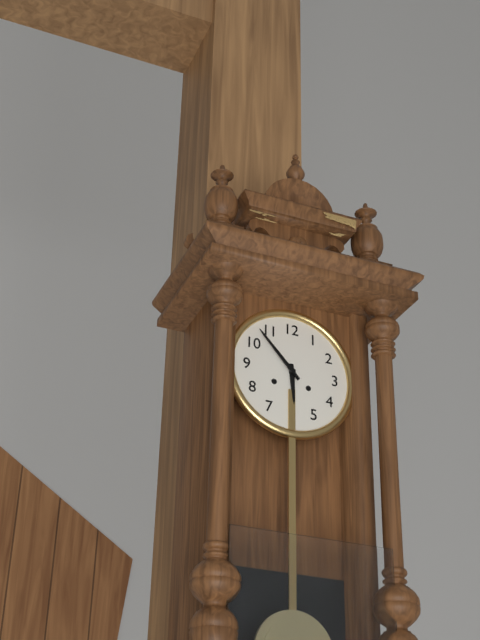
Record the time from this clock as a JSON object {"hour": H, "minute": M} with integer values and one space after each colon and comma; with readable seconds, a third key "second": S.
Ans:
{"hour": 5, "minute": 53}
